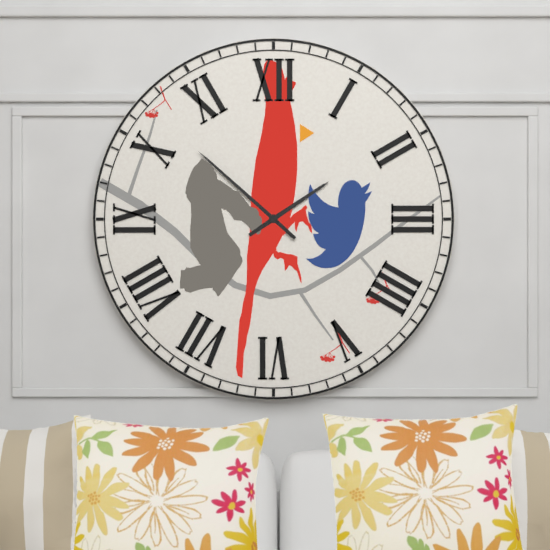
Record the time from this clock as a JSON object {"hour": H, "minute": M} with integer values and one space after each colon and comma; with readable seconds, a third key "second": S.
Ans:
{"hour": 1, "minute": 52}
